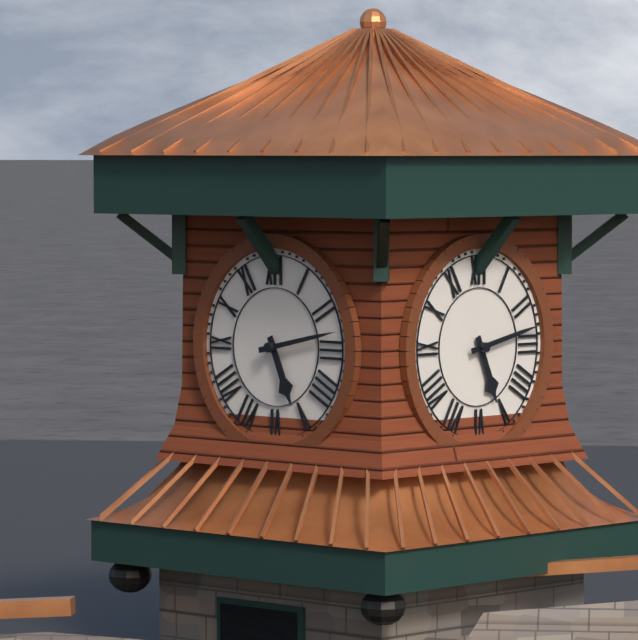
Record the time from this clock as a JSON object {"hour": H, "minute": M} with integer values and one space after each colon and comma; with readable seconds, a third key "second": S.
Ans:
{"hour": 5, "minute": 13}
